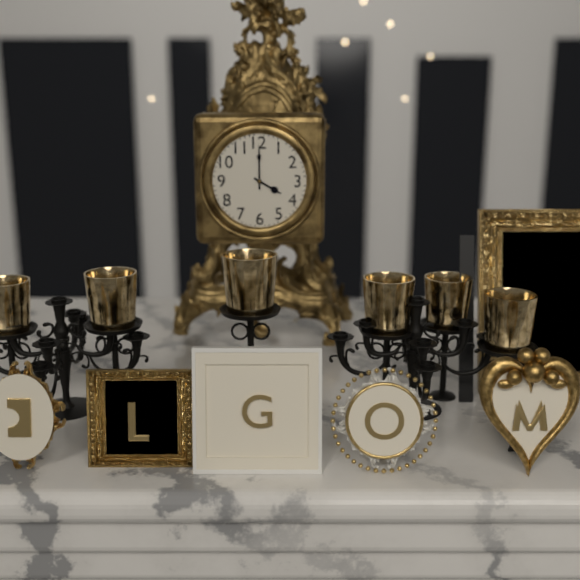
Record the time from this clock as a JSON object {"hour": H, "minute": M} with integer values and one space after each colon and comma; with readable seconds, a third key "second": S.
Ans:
{"hour": 4, "minute": 0}
